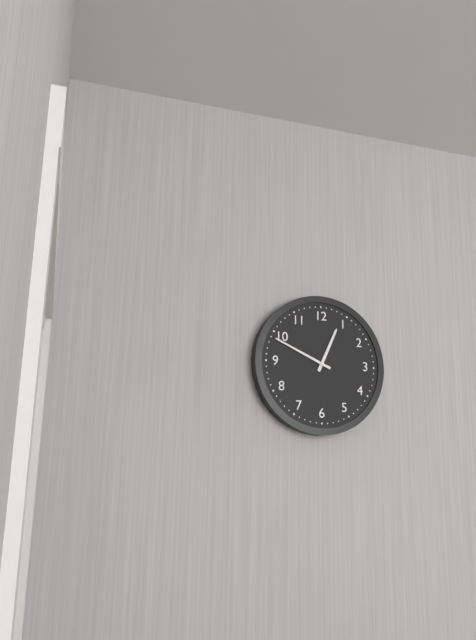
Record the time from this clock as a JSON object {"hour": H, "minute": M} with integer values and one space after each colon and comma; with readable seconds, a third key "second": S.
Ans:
{"hour": 12, "minute": 49}
